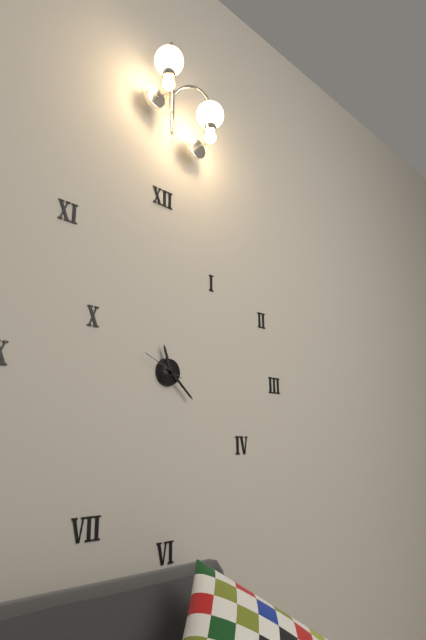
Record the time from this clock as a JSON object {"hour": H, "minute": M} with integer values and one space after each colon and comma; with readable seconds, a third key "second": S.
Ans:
{"hour": 11, "minute": 22}
